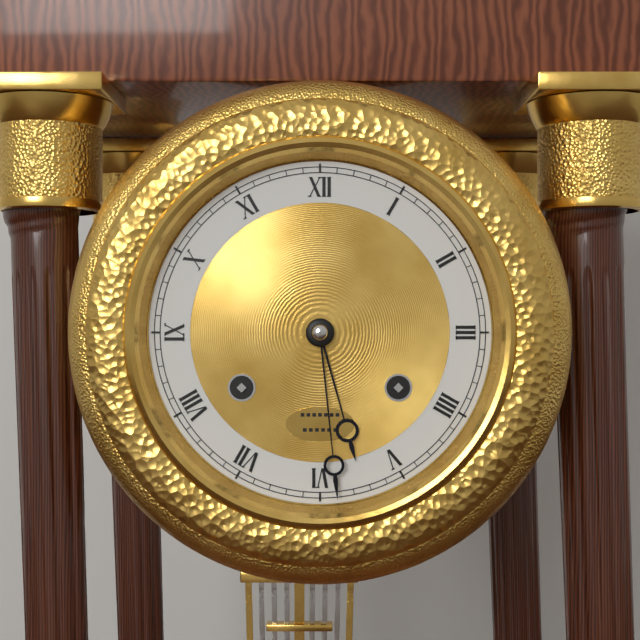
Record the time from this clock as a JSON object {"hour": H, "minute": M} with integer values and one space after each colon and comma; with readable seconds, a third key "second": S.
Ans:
{"hour": 5, "minute": 29}
